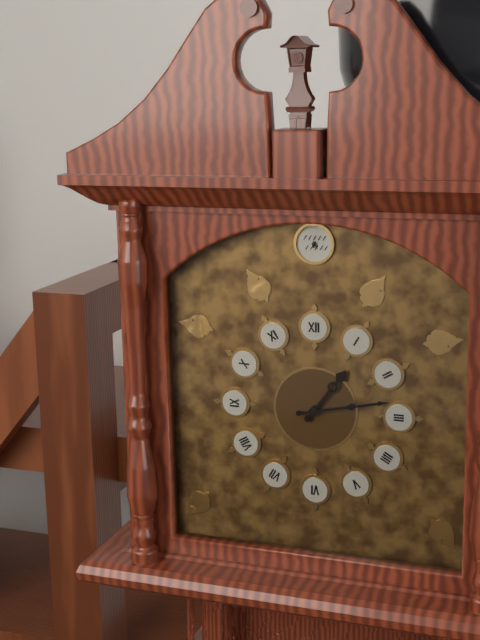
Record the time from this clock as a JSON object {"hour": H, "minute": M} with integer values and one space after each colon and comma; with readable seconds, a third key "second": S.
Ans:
{"hour": 1, "minute": 13}
